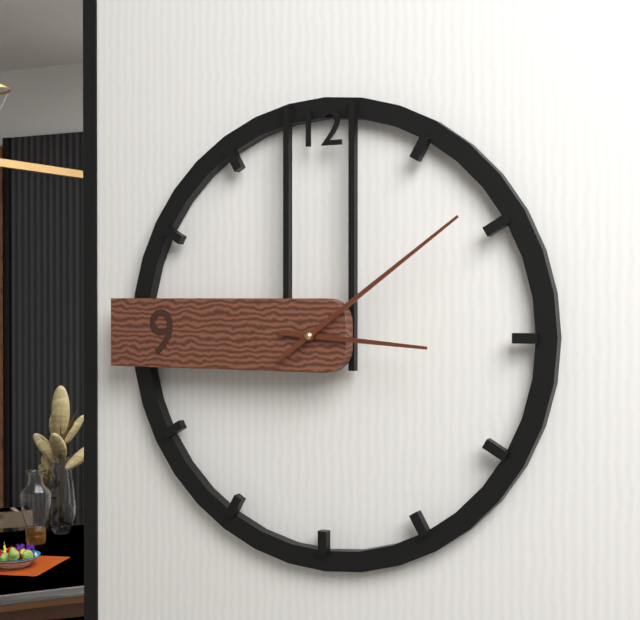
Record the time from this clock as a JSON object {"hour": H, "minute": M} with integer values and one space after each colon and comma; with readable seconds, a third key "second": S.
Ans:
{"hour": 3, "minute": 9}
